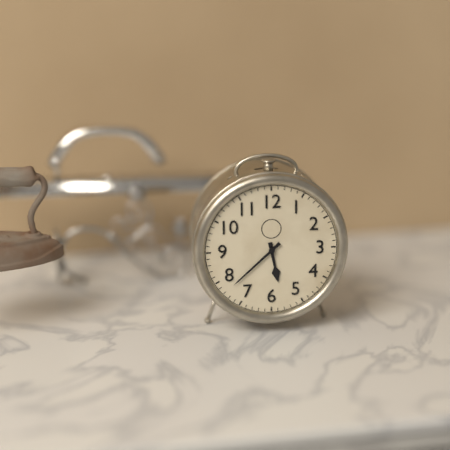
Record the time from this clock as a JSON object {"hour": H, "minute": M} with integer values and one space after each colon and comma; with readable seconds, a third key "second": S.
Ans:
{"hour": 5, "minute": 38}
